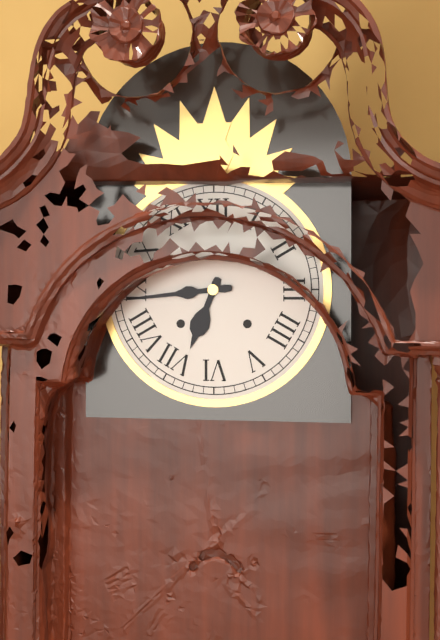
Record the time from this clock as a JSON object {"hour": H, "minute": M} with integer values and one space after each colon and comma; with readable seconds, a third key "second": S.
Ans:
{"hour": 6, "minute": 44}
